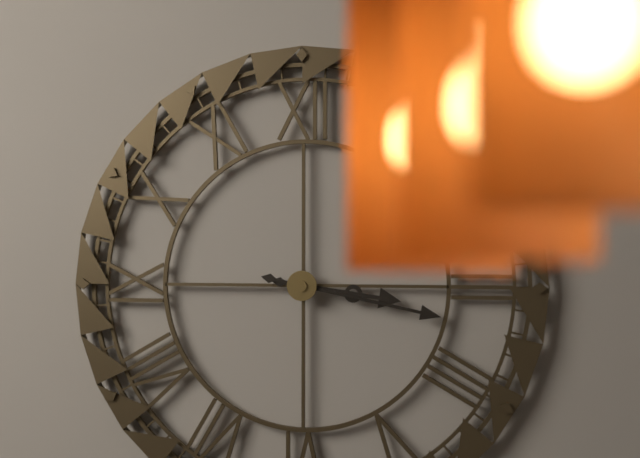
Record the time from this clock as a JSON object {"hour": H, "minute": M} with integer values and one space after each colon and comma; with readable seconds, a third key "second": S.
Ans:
{"hour": 3, "minute": 17}
